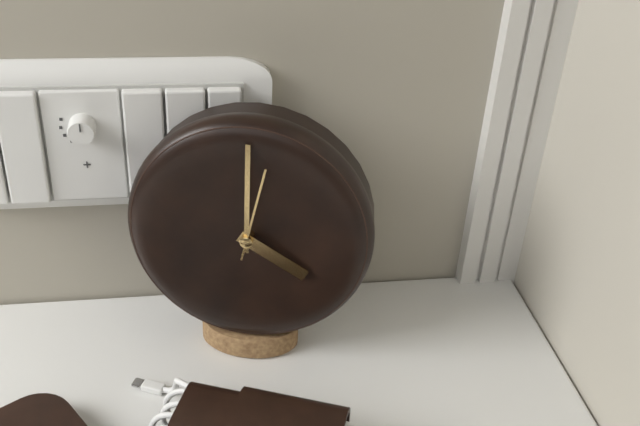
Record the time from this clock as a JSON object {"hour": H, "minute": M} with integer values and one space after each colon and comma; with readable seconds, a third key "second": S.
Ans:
{"hour": 4, "minute": 0, "second": 2}
